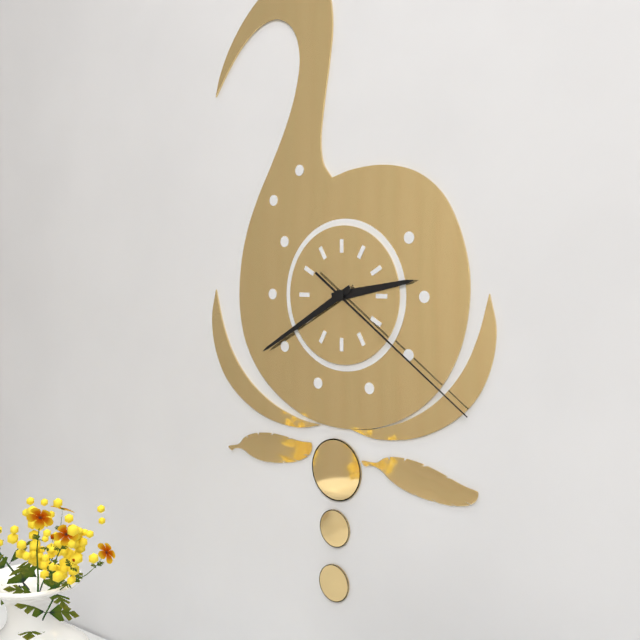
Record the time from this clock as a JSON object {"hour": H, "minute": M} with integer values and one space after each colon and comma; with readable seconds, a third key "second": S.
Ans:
{"hour": 2, "minute": 40, "second": 21}
